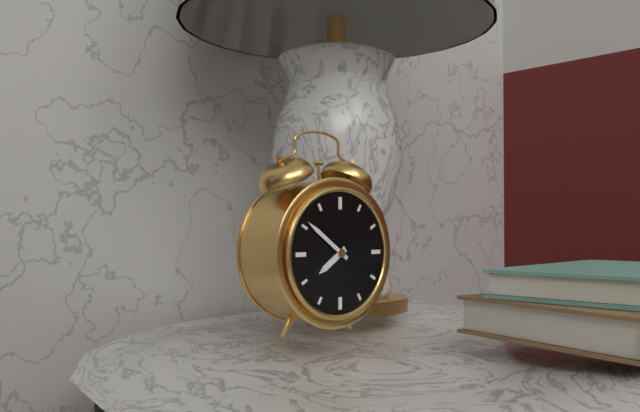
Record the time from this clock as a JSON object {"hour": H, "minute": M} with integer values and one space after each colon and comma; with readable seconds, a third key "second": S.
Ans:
{"hour": 7, "minute": 51}
